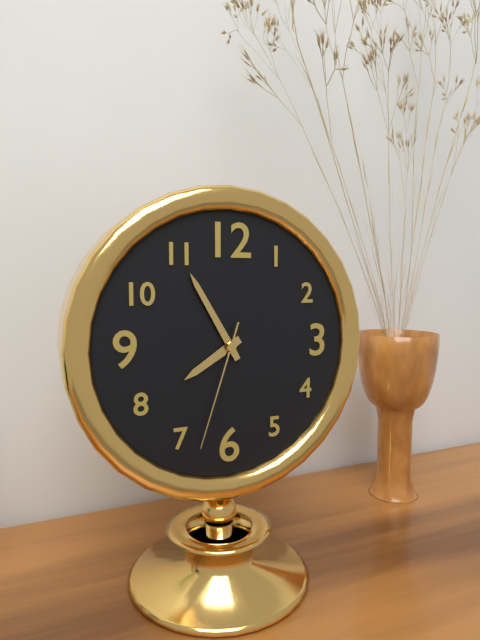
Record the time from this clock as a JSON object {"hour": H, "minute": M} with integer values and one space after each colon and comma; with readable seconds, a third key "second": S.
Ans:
{"hour": 7, "minute": 55, "second": 33}
